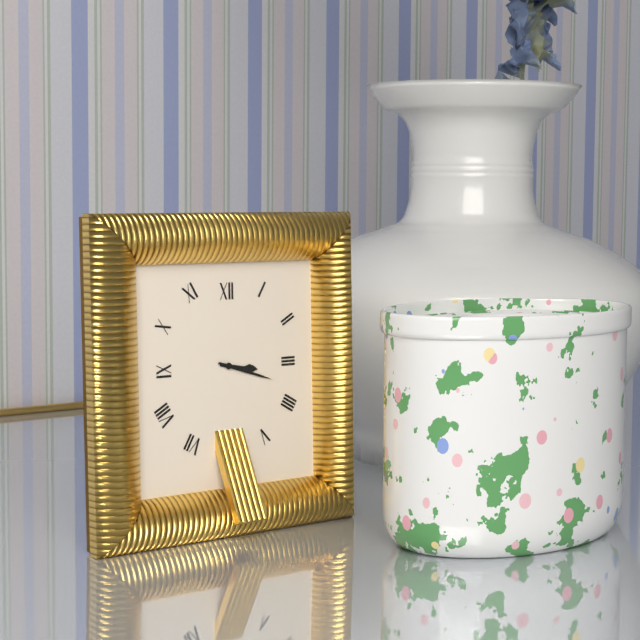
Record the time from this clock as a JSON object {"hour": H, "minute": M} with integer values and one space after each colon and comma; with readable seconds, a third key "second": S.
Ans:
{"hour": 3, "minute": 18}
